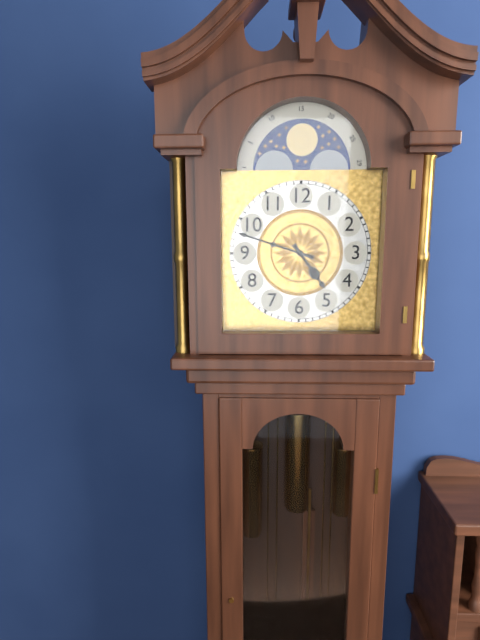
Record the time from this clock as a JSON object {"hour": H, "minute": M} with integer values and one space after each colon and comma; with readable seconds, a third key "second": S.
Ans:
{"hour": 4, "minute": 48}
